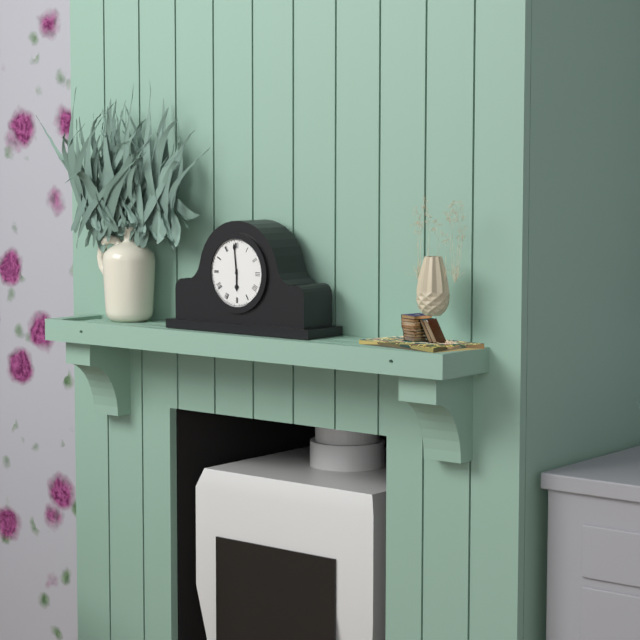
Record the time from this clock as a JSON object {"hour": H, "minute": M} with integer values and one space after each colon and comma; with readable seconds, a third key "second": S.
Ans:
{"hour": 5, "minute": 59}
